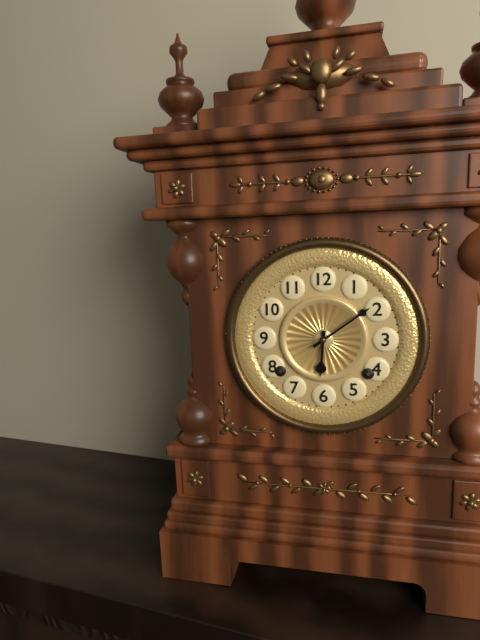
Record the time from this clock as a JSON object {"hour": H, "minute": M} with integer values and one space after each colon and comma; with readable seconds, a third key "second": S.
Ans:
{"hour": 6, "minute": 9}
